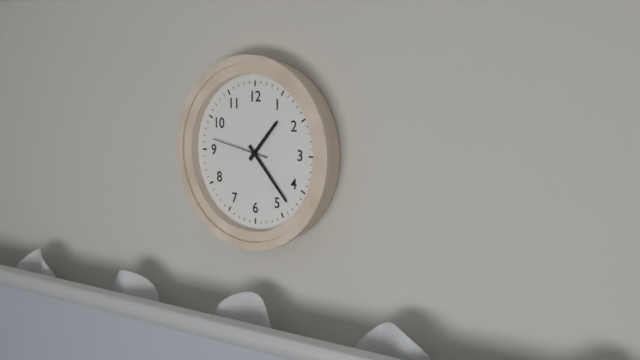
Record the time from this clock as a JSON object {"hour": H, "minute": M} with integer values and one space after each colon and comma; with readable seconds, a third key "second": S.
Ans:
{"hour": 1, "minute": 23, "second": 47}
